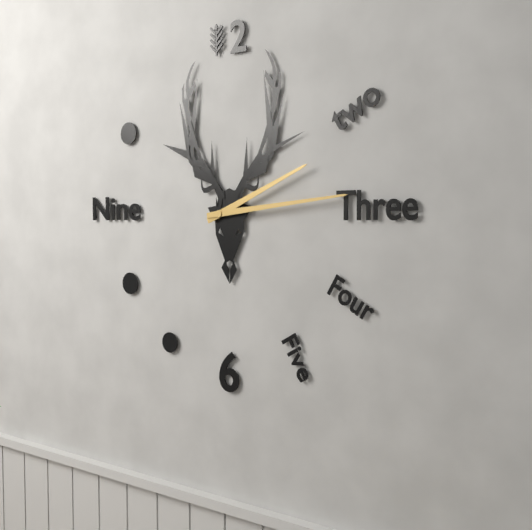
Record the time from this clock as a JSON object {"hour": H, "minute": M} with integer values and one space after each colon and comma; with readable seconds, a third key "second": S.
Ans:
{"hour": 2, "minute": 14}
